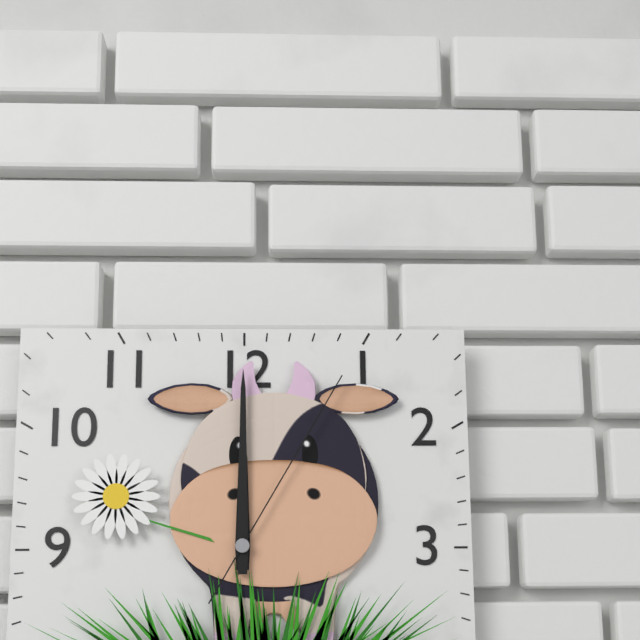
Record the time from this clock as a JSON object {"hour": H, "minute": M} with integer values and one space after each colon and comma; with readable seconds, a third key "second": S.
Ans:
{"hour": 12, "minute": 0, "second": 5}
